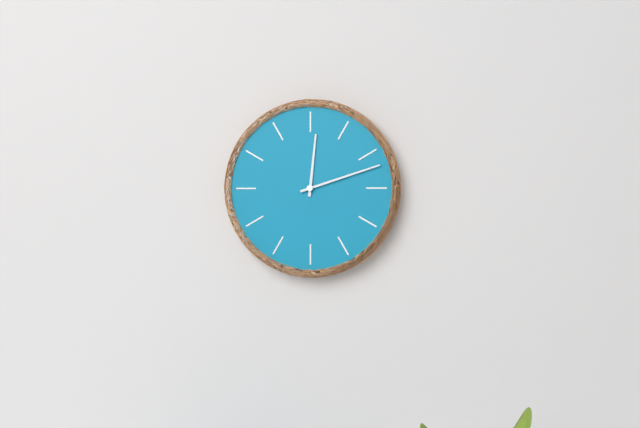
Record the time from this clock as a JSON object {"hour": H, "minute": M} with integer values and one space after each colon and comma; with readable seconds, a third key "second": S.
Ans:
{"hour": 12, "minute": 12}
